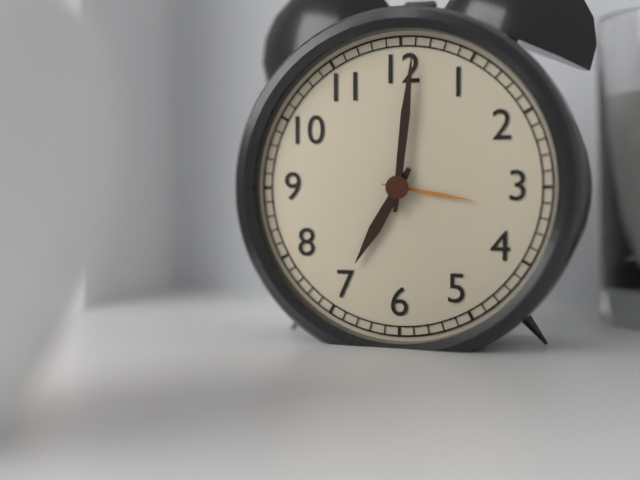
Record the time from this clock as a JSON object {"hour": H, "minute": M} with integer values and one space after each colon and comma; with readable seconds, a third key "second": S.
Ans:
{"hour": 7, "minute": 1}
